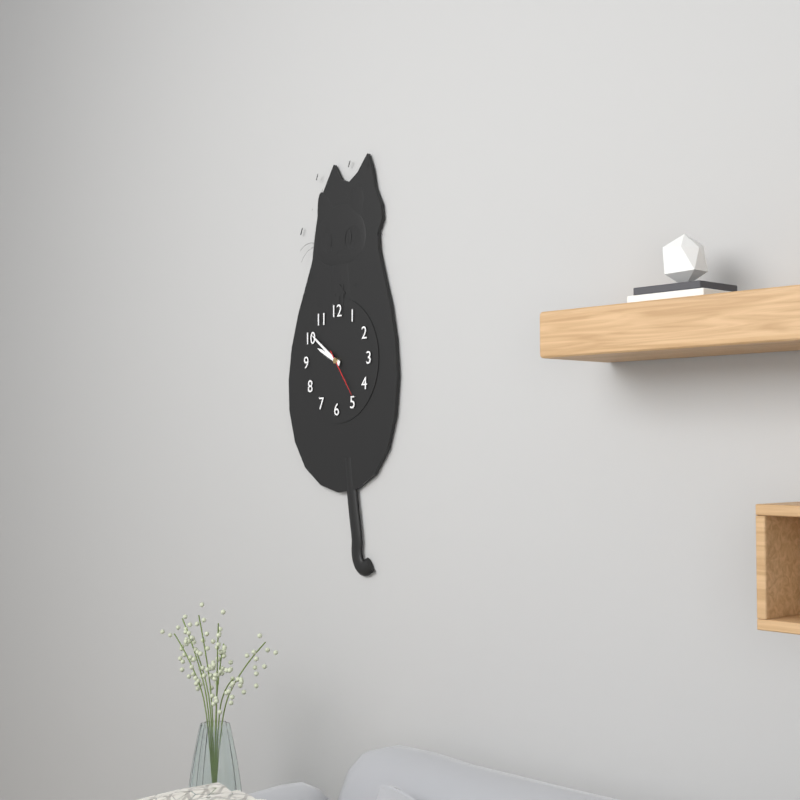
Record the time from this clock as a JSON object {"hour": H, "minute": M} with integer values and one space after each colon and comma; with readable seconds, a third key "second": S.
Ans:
{"hour": 9, "minute": 51}
